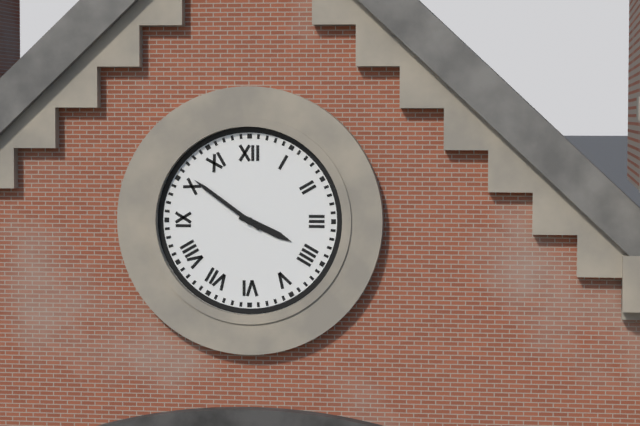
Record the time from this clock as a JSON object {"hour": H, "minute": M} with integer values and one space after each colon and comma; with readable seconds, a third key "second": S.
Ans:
{"hour": 3, "minute": 51}
